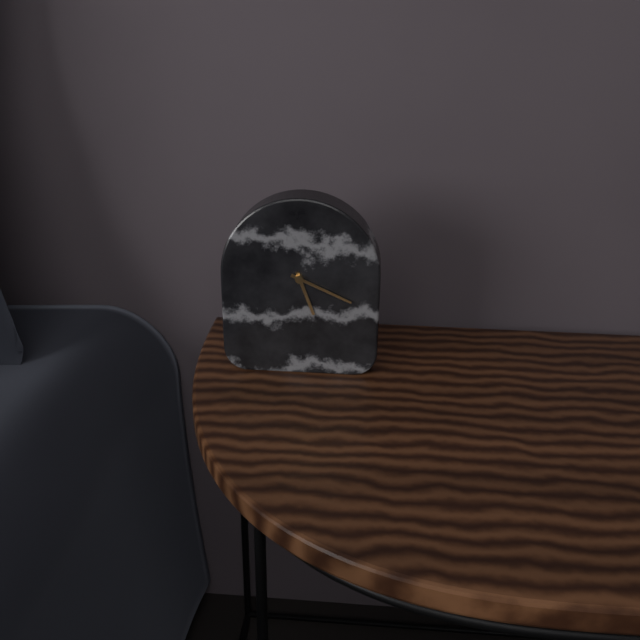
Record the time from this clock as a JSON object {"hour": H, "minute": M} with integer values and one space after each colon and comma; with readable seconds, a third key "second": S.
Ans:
{"hour": 5, "minute": 19}
